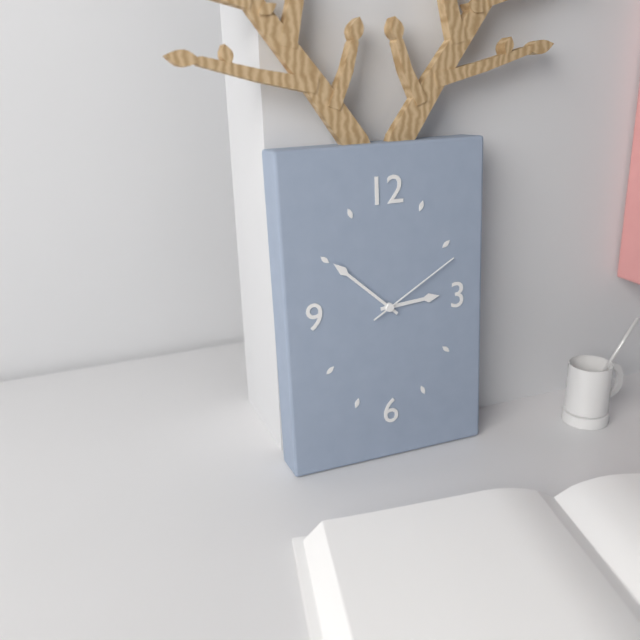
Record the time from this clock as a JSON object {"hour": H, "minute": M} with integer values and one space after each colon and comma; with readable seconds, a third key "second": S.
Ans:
{"hour": 2, "minute": 52, "second": 10}
